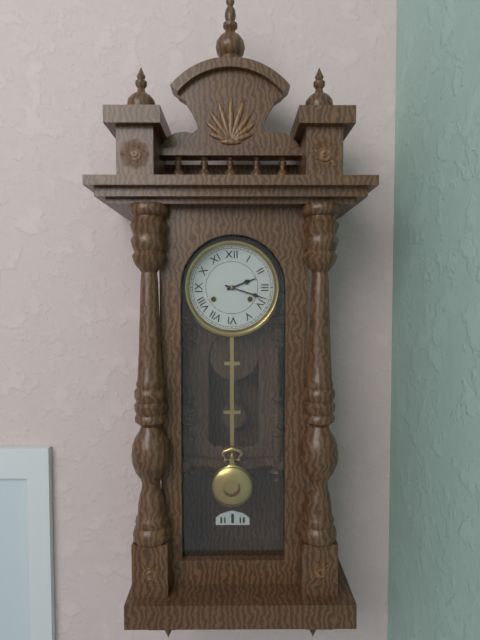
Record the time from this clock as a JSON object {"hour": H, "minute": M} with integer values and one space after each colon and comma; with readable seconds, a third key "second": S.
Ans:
{"hour": 2, "minute": 18}
